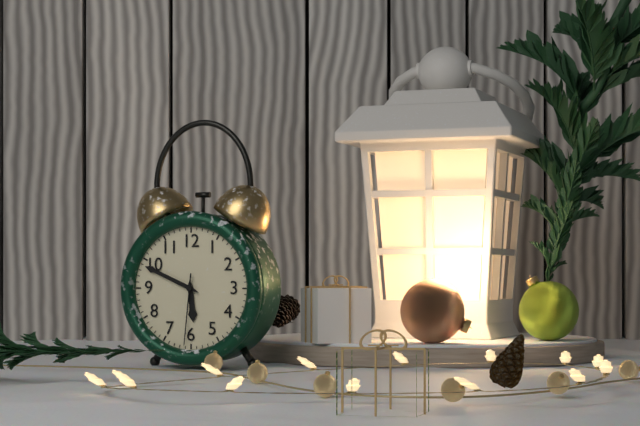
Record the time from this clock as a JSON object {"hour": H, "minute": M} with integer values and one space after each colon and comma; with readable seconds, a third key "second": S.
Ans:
{"hour": 5, "minute": 49, "second": 31}
